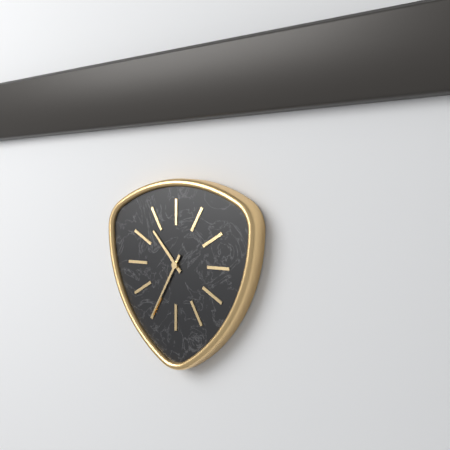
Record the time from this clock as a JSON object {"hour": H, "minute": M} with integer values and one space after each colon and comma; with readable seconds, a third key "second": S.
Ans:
{"hour": 10, "minute": 35}
